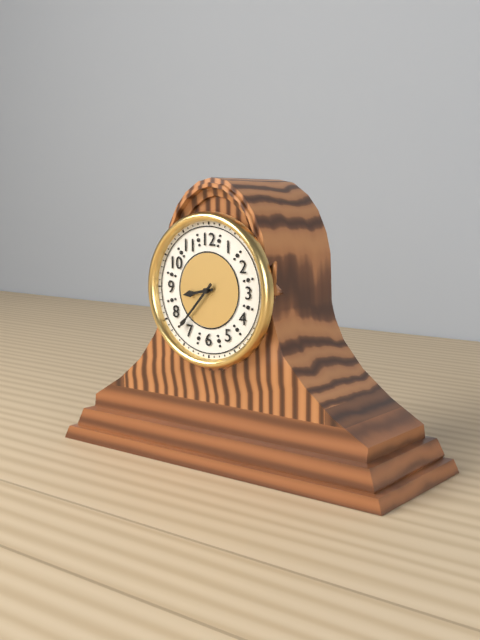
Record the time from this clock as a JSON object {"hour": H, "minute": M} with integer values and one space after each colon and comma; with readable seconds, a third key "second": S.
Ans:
{"hour": 8, "minute": 37}
